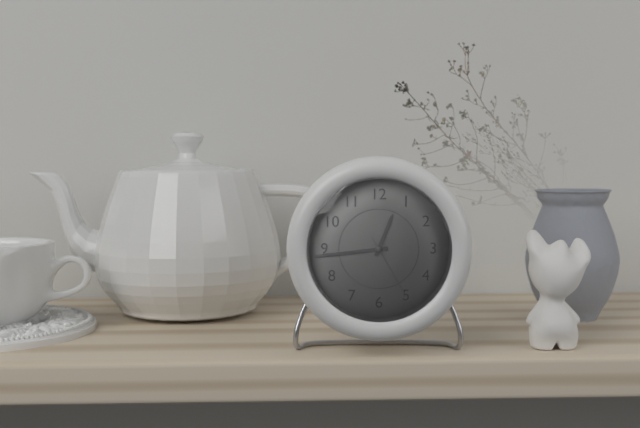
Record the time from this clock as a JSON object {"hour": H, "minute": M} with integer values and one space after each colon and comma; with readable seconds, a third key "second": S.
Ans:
{"hour": 12, "minute": 44, "second": 25}
